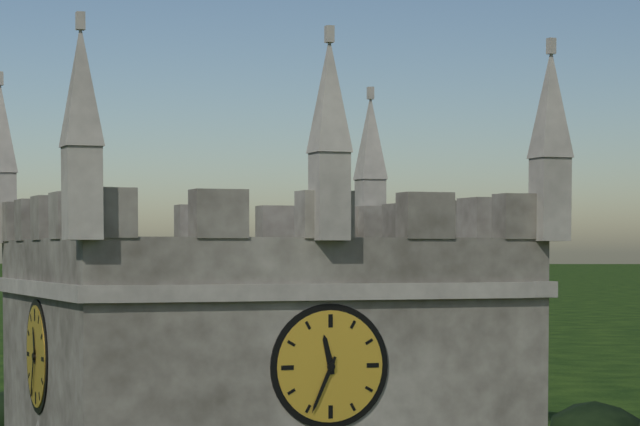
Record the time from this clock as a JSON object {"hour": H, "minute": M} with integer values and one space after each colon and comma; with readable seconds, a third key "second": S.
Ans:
{"hour": 11, "minute": 34}
